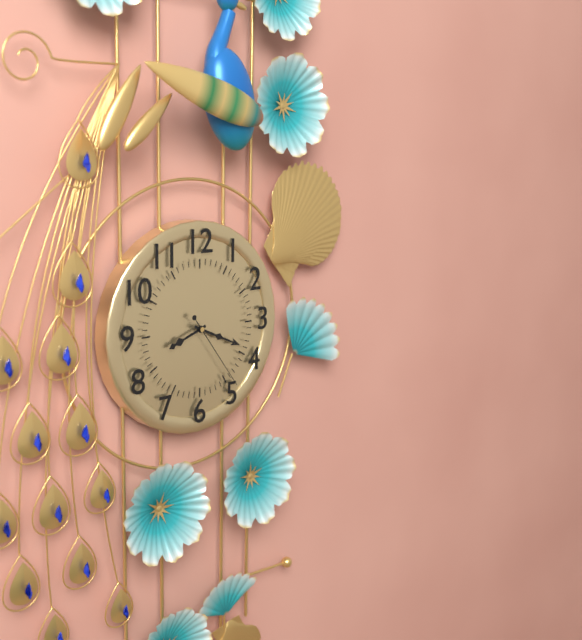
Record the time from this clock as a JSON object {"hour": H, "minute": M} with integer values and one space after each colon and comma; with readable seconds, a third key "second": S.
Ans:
{"hour": 8, "minute": 19, "second": 24}
